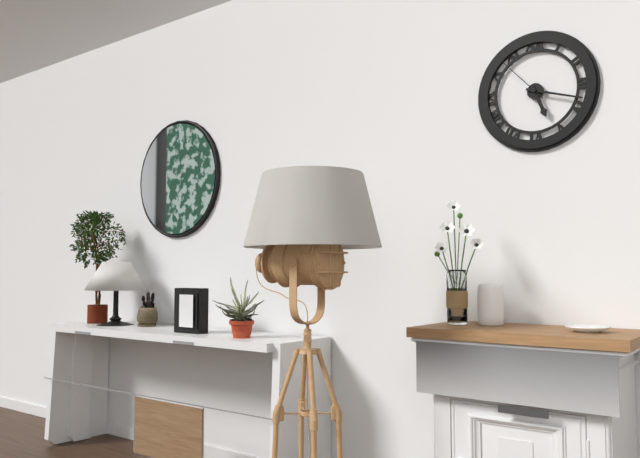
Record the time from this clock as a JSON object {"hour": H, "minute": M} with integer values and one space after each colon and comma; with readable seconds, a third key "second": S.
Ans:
{"hour": 5, "minute": 18, "second": 53}
